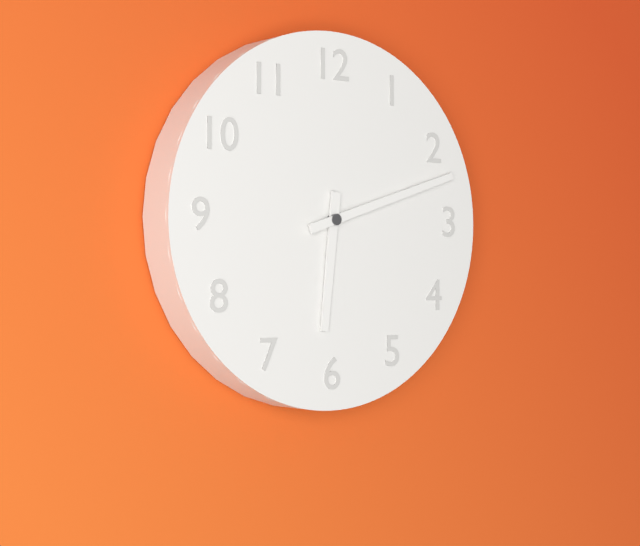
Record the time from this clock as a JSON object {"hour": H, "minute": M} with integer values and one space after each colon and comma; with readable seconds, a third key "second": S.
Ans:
{"hour": 6, "minute": 12}
